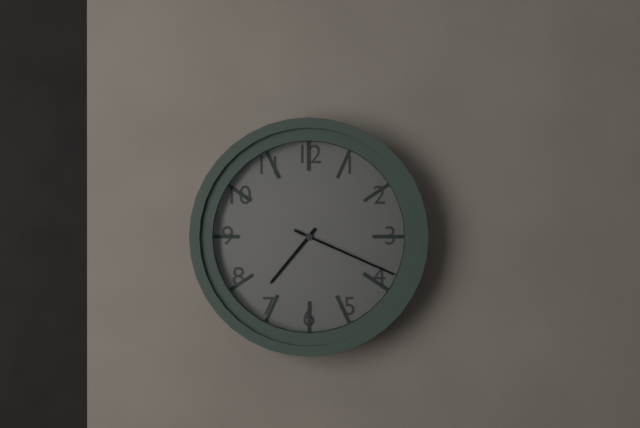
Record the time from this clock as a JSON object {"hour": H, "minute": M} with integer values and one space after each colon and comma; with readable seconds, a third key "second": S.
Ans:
{"hour": 7, "minute": 19}
